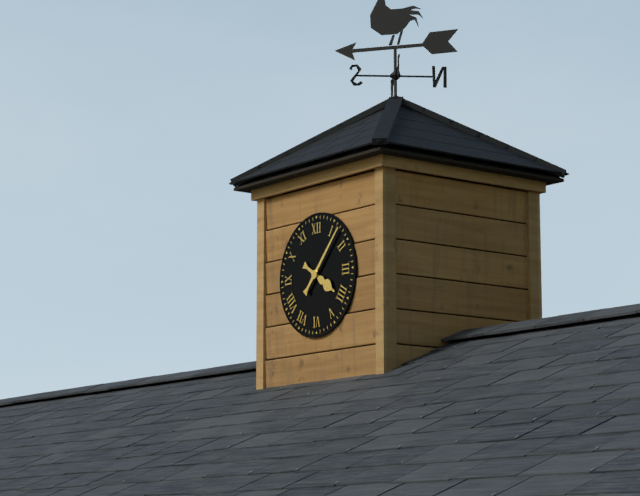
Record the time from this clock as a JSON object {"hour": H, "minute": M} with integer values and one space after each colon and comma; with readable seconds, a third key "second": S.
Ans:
{"hour": 4, "minute": 7}
